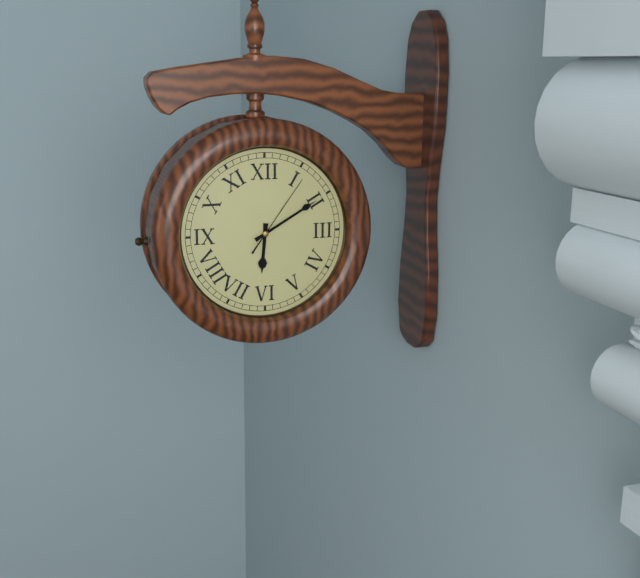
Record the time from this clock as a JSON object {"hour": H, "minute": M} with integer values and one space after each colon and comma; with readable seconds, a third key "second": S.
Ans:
{"hour": 6, "minute": 10, "second": 6}
